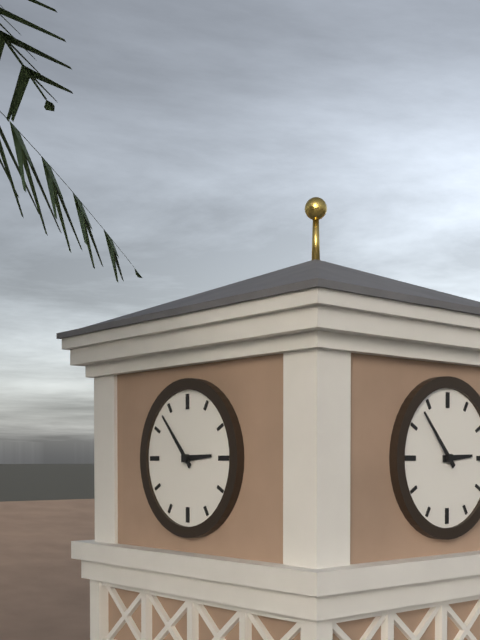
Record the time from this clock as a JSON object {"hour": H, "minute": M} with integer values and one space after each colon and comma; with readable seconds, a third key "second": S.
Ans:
{"hour": 2, "minute": 53}
